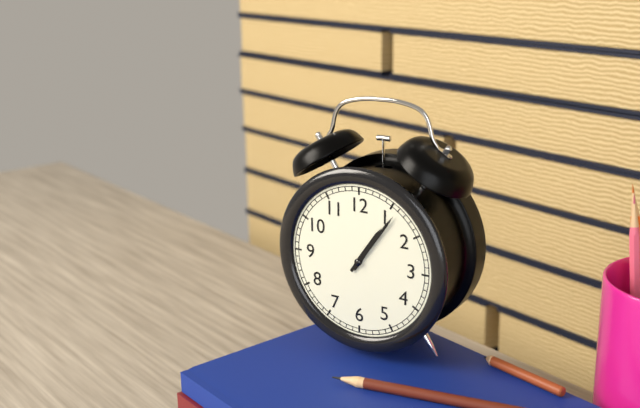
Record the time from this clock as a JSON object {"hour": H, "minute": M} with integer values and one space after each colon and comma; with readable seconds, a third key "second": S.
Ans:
{"hour": 1, "minute": 6}
